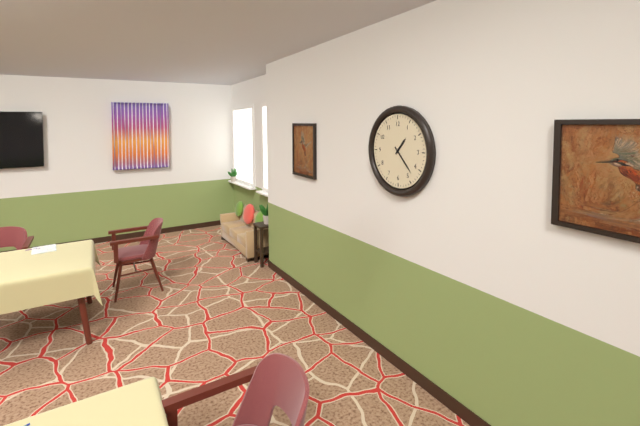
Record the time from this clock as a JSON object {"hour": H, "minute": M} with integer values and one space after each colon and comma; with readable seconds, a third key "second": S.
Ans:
{"hour": 1, "minute": 23}
